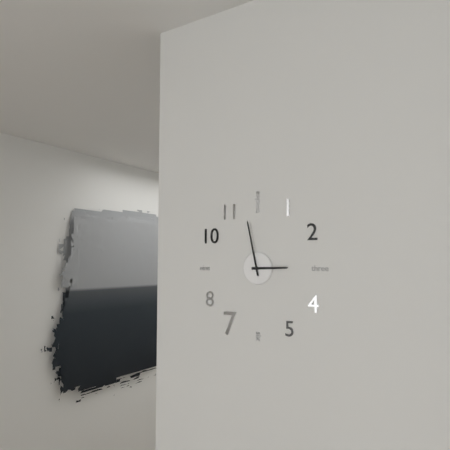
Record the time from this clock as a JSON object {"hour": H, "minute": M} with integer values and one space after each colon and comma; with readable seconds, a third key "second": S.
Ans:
{"hour": 2, "minute": 58}
